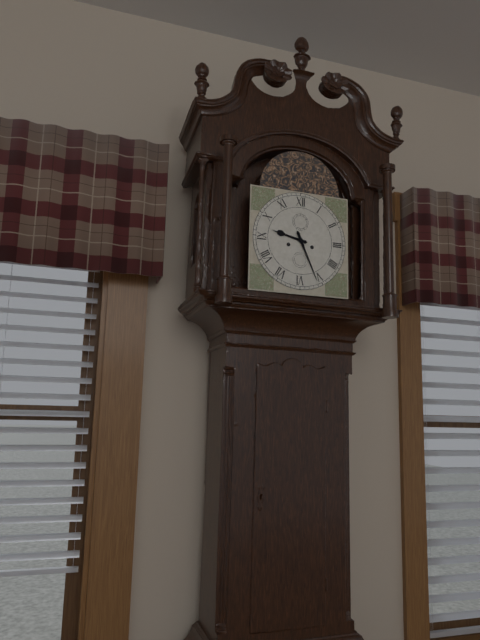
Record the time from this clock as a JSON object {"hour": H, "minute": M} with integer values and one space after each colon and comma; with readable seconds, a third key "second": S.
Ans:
{"hour": 9, "minute": 26}
